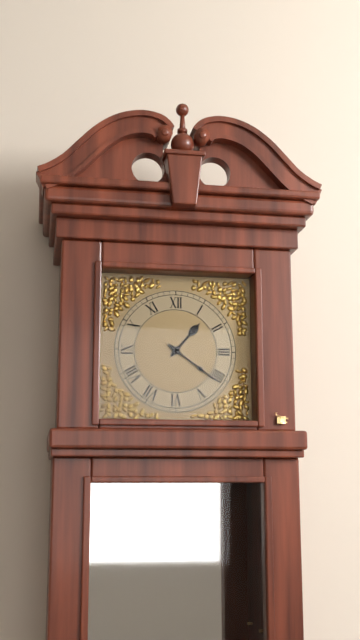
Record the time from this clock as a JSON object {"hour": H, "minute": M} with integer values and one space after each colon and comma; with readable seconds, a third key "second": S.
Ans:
{"hour": 1, "minute": 21}
